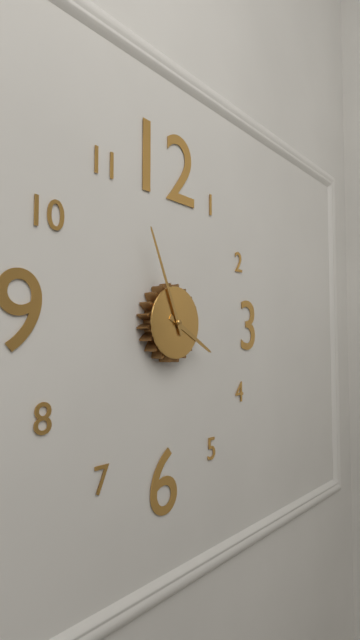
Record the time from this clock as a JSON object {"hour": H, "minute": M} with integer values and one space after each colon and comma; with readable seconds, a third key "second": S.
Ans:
{"hour": 3, "minute": 56}
